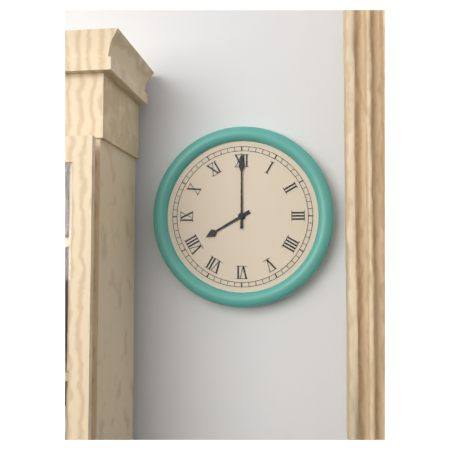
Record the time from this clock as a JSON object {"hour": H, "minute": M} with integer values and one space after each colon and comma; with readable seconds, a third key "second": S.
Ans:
{"hour": 8, "minute": 0}
